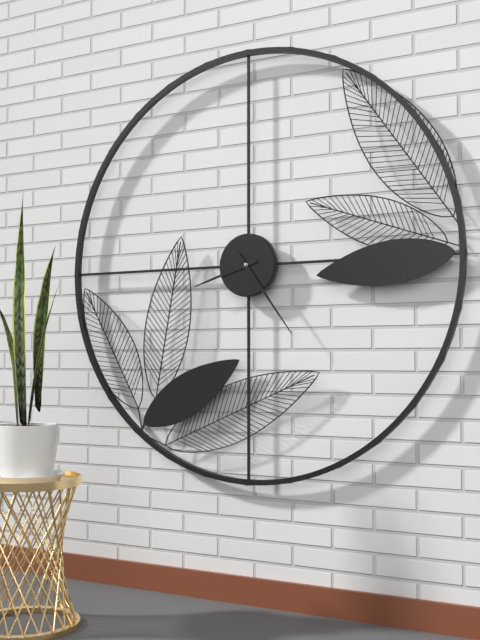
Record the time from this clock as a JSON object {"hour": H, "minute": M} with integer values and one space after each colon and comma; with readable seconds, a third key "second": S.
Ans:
{"hour": 8, "minute": 24}
